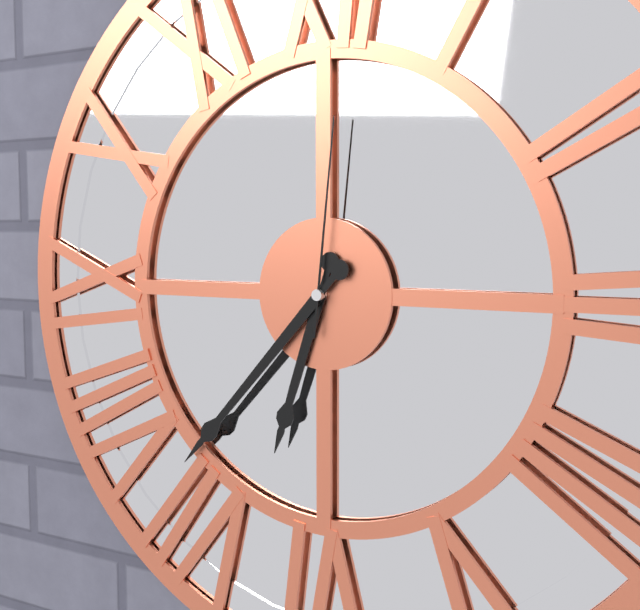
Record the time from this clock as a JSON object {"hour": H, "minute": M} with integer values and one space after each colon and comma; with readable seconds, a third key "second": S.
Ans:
{"hour": 6, "minute": 37, "second": 1}
